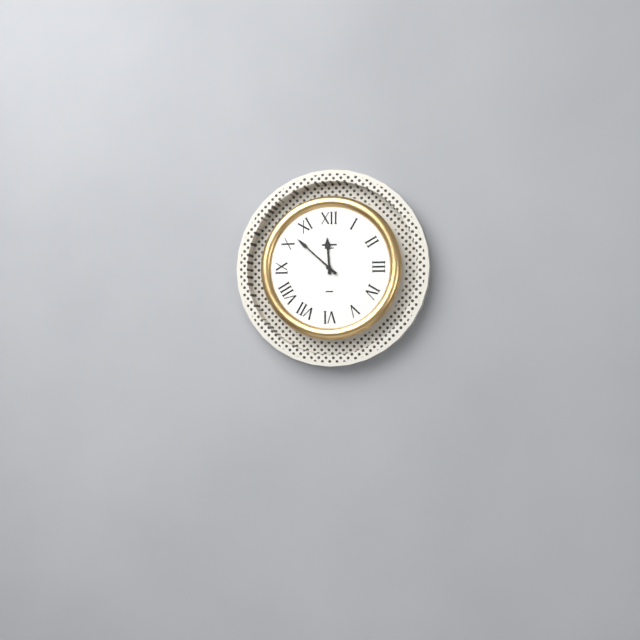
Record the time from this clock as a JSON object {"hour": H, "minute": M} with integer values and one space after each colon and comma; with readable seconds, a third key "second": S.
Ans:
{"hour": 11, "minute": 52}
